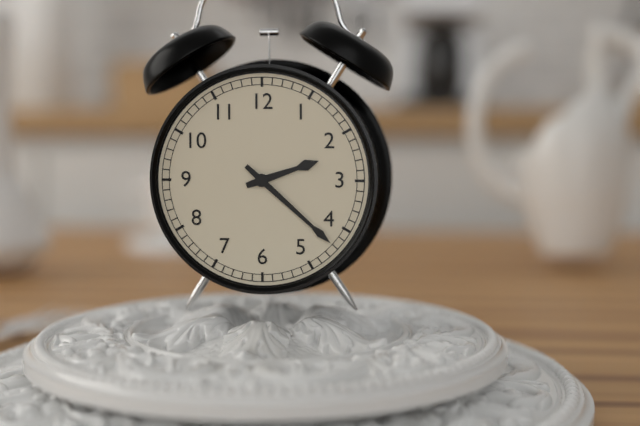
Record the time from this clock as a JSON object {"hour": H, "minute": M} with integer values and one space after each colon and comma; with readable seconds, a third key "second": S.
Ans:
{"hour": 2, "minute": 22}
